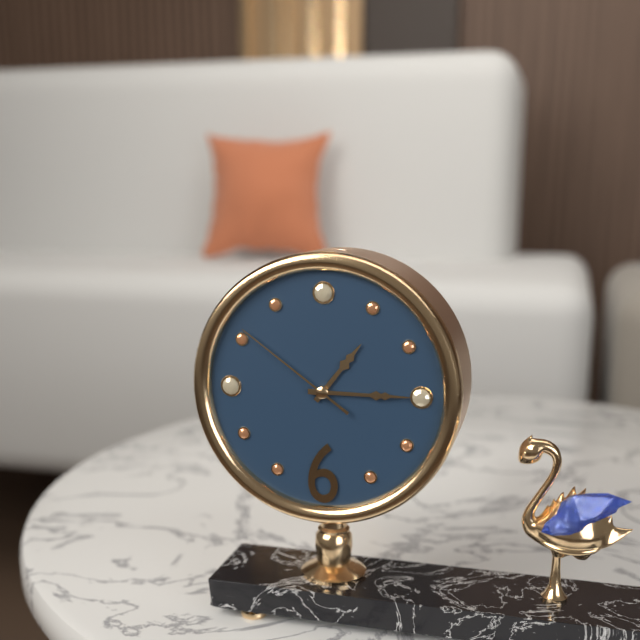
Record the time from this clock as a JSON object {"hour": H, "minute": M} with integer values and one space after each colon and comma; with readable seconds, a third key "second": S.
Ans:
{"hour": 1, "minute": 15, "second": 51}
